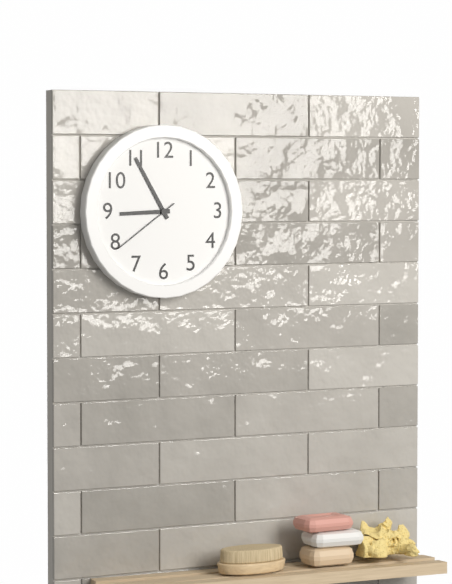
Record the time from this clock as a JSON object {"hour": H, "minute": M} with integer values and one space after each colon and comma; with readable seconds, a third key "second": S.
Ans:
{"hour": 8, "minute": 55, "second": 39}
